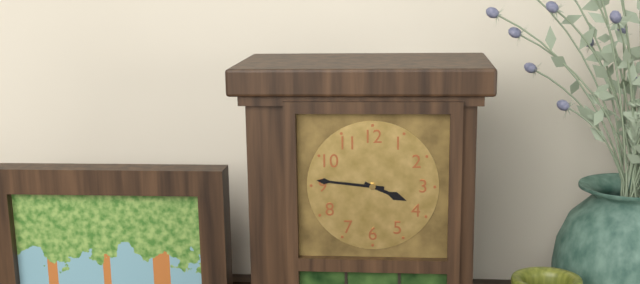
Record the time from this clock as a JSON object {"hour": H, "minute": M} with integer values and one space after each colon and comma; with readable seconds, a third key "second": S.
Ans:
{"hour": 3, "minute": 46}
